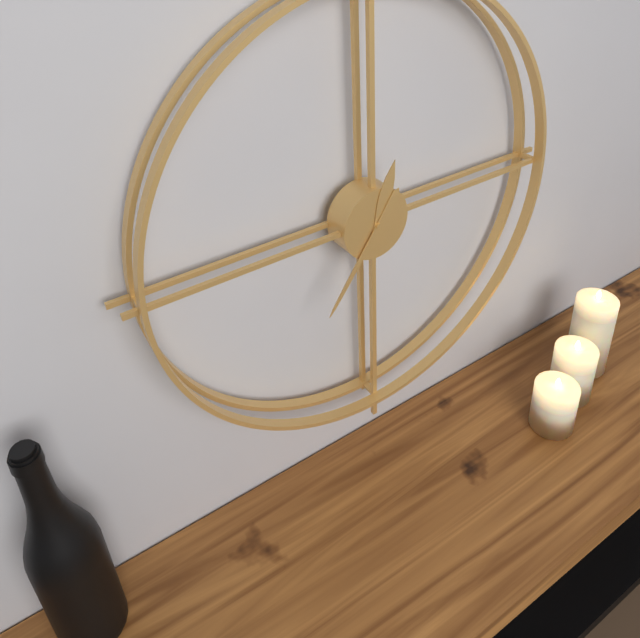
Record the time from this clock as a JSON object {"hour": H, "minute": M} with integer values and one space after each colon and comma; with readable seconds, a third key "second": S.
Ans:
{"hour": 12, "minute": 36}
